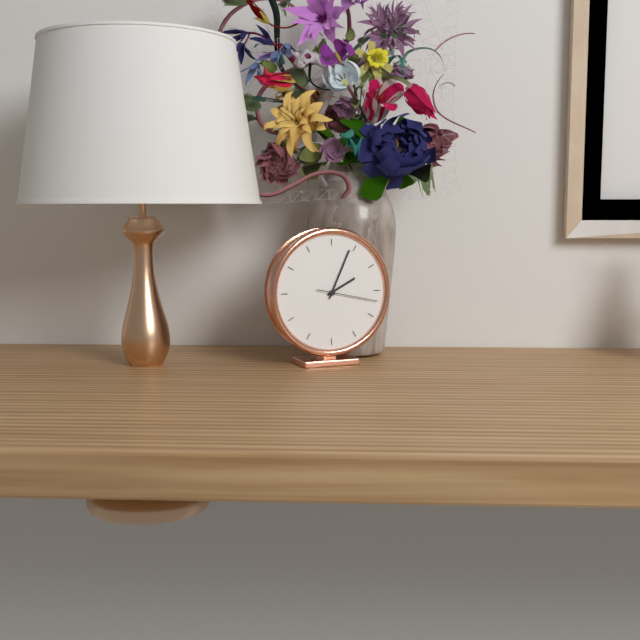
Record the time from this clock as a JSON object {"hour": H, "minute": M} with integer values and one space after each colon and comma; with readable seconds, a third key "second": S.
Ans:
{"hour": 2, "minute": 4, "second": 17}
